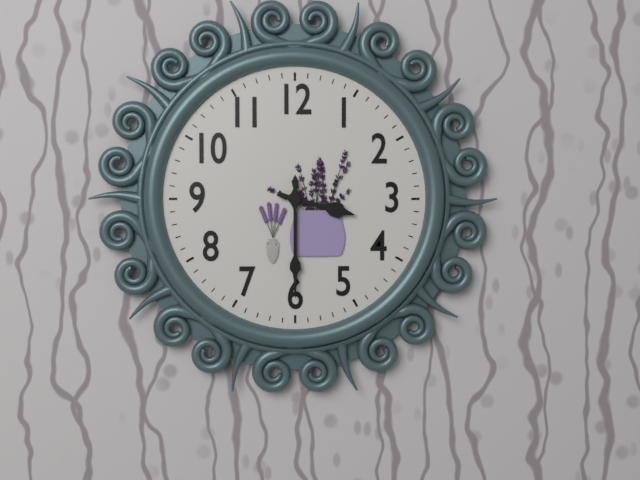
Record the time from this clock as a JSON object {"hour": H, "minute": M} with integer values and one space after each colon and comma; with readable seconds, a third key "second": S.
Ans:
{"hour": 3, "minute": 30}
